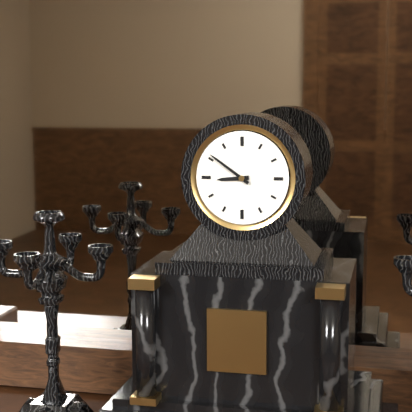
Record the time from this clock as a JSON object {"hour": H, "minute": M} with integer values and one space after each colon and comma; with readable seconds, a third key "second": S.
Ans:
{"hour": 8, "minute": 51}
